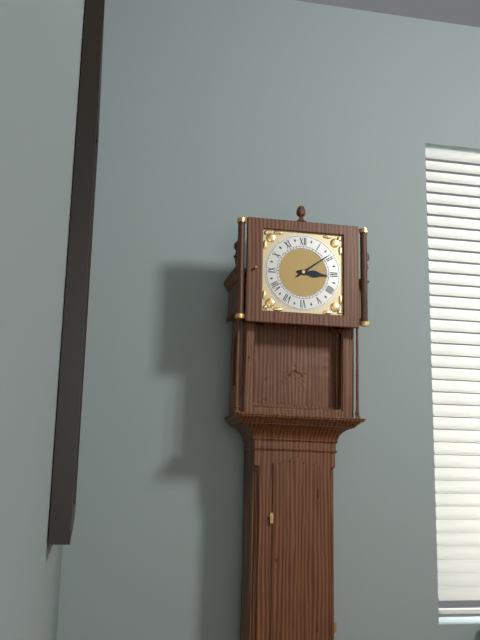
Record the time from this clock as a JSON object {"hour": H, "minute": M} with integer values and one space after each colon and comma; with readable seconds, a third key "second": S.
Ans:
{"hour": 3, "minute": 9}
